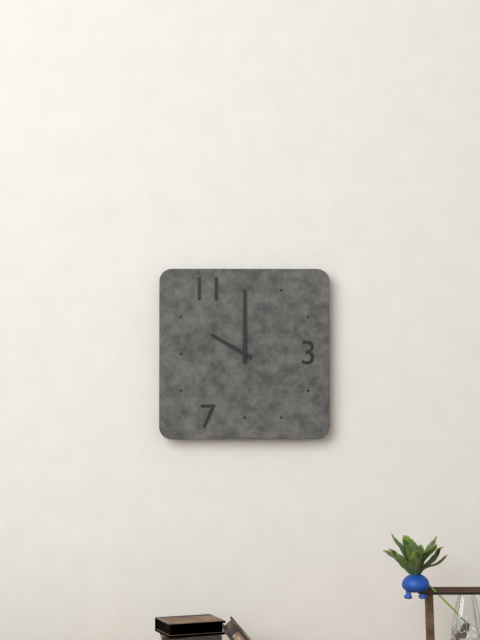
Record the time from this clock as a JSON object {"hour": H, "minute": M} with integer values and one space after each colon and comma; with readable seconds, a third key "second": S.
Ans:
{"hour": 10, "minute": 0}
